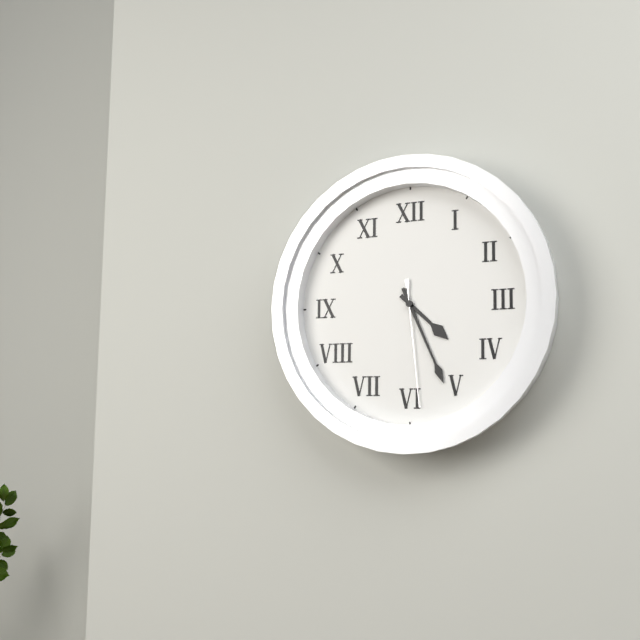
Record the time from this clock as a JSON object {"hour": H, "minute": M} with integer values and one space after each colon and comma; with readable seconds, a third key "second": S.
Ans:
{"hour": 4, "minute": 26, "second": 29}
